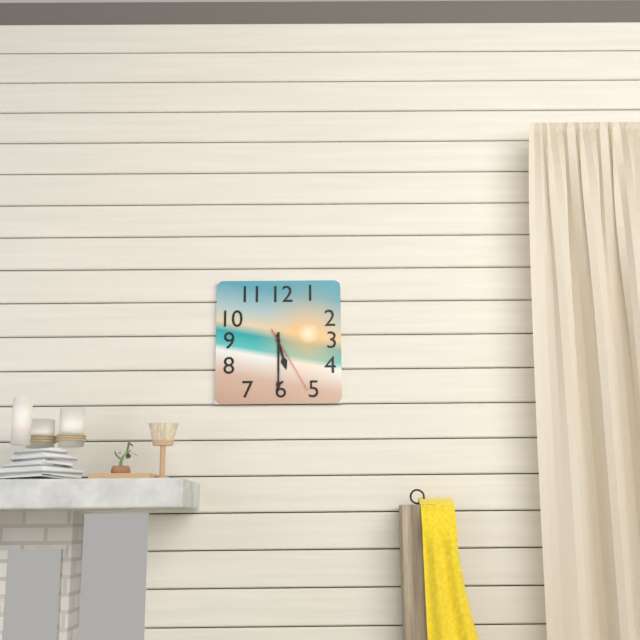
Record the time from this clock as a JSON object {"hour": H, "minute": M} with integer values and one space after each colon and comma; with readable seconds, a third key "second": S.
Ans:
{"hour": 5, "minute": 30, "second": 25}
